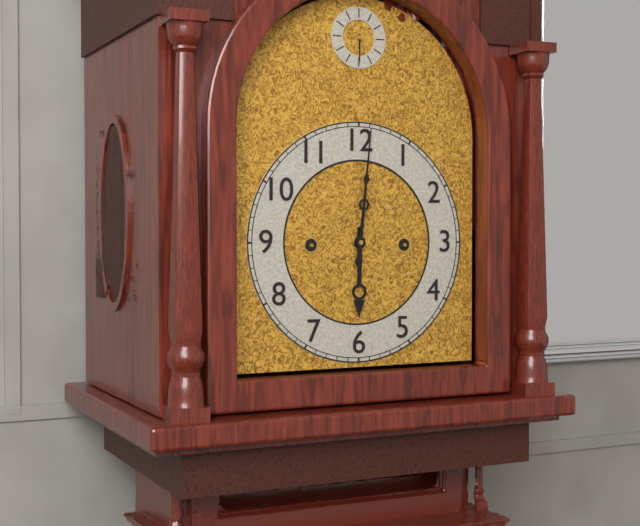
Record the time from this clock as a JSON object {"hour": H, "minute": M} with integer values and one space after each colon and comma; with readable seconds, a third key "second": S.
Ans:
{"hour": 6, "minute": 1}
